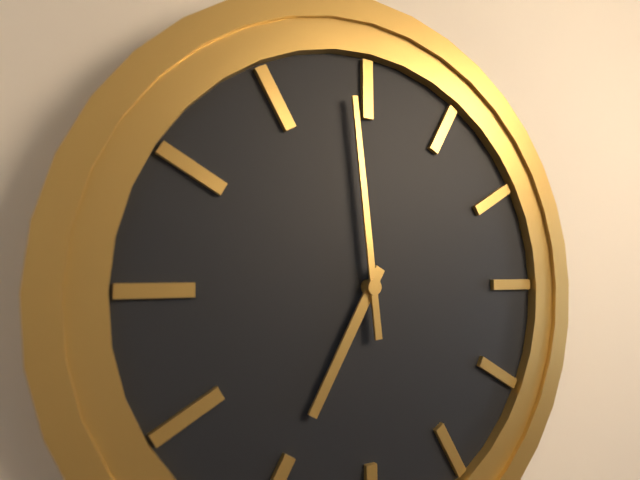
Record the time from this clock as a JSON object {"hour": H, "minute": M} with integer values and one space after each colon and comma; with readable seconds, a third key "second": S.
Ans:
{"hour": 6, "minute": 59}
